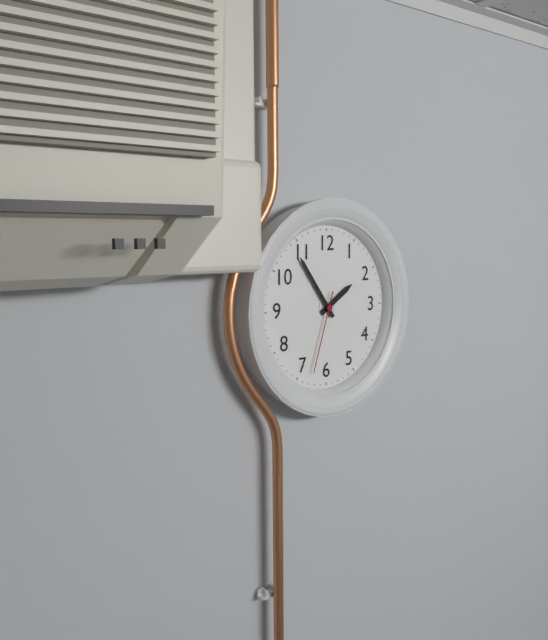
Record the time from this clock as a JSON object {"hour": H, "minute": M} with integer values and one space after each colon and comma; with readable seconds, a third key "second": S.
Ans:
{"hour": 1, "minute": 54, "second": 33}
